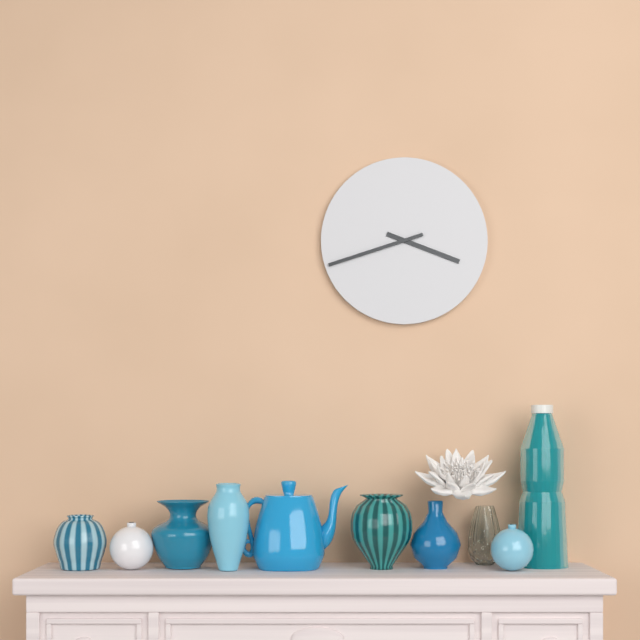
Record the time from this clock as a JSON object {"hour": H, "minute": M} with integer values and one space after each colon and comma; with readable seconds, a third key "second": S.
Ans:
{"hour": 3, "minute": 42}
